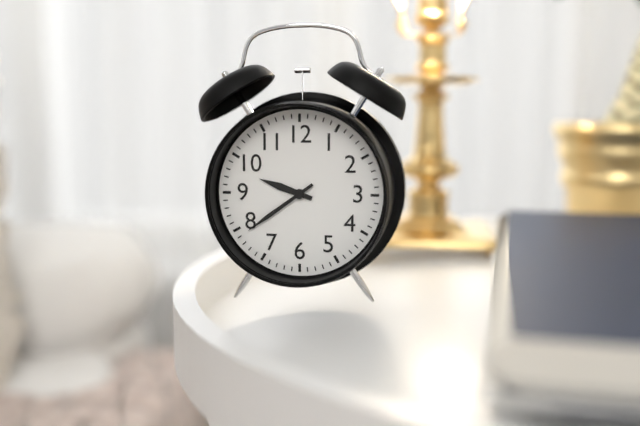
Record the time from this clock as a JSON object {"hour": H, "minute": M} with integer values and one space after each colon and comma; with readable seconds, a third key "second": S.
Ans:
{"hour": 9, "minute": 39}
